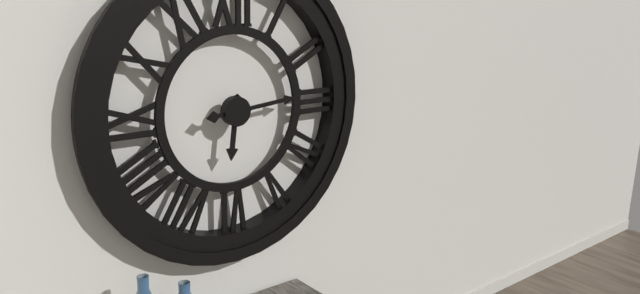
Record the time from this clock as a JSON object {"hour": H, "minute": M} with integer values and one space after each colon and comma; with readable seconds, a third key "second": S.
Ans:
{"hour": 6, "minute": 14}
